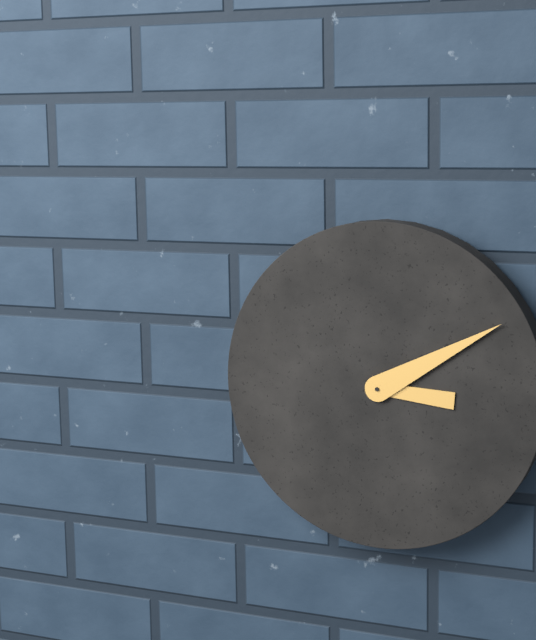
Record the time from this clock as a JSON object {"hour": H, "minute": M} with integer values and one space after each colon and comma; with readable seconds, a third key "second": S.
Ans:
{"hour": 3, "minute": 10}
